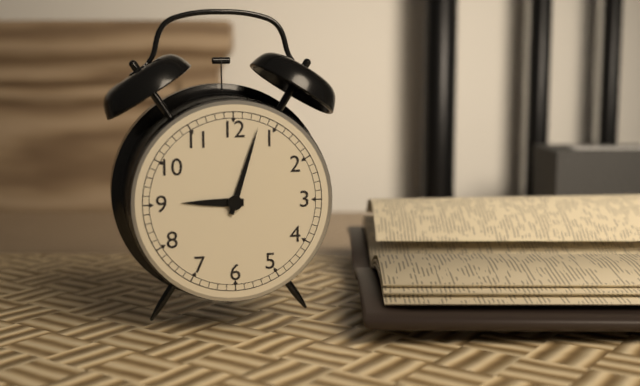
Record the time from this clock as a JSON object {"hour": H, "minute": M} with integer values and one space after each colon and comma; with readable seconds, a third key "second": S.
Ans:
{"hour": 9, "minute": 3}
